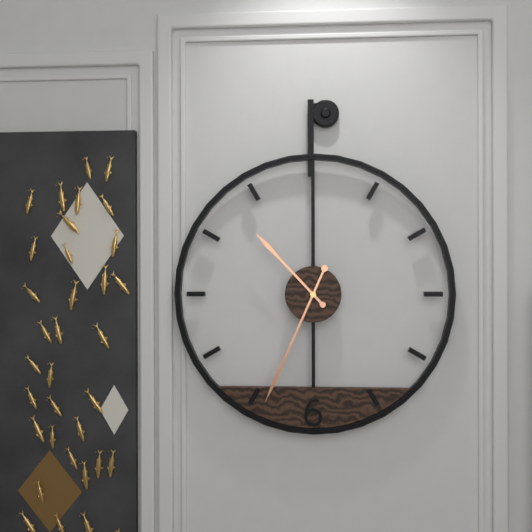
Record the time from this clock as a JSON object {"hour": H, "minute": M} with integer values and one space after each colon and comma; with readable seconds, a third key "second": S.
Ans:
{"hour": 10, "minute": 34}
